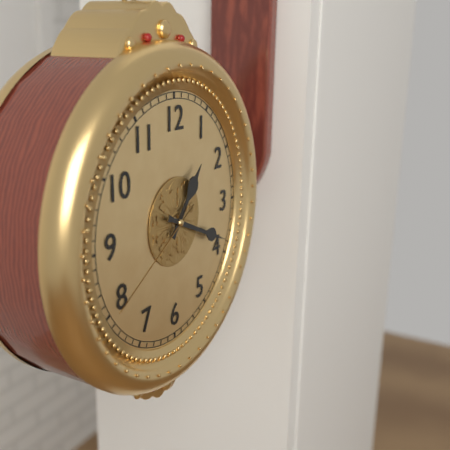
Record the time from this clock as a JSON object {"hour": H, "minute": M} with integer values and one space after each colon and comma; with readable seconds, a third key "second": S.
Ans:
{"hour": 1, "minute": 19, "second": 40}
